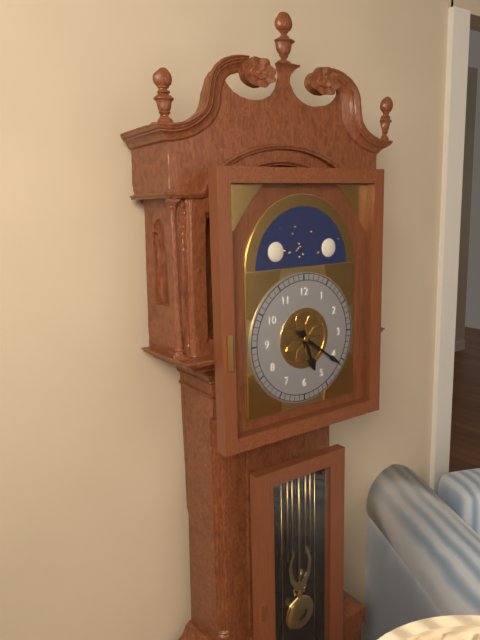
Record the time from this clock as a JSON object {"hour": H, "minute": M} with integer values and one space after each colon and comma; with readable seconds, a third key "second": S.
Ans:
{"hour": 5, "minute": 21}
